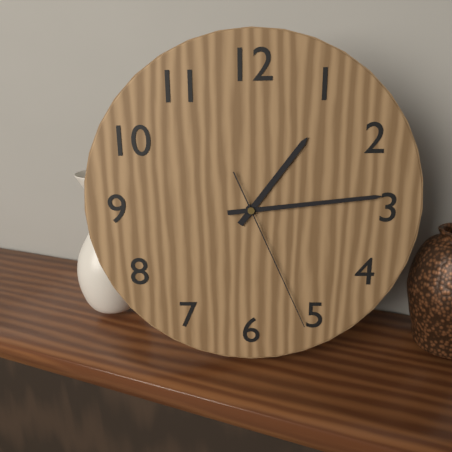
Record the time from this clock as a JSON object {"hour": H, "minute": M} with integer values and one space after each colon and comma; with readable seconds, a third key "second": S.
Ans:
{"hour": 1, "minute": 14, "second": 26}
